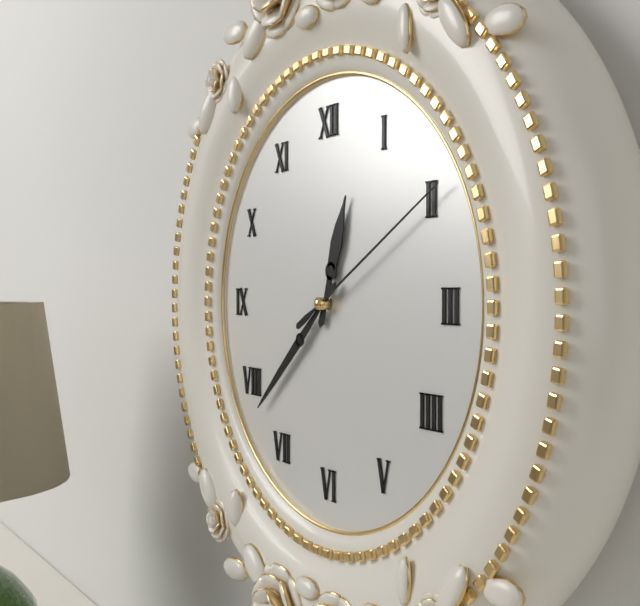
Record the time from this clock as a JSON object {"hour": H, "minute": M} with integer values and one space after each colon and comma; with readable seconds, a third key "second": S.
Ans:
{"hour": 12, "minute": 38, "second": 10}
